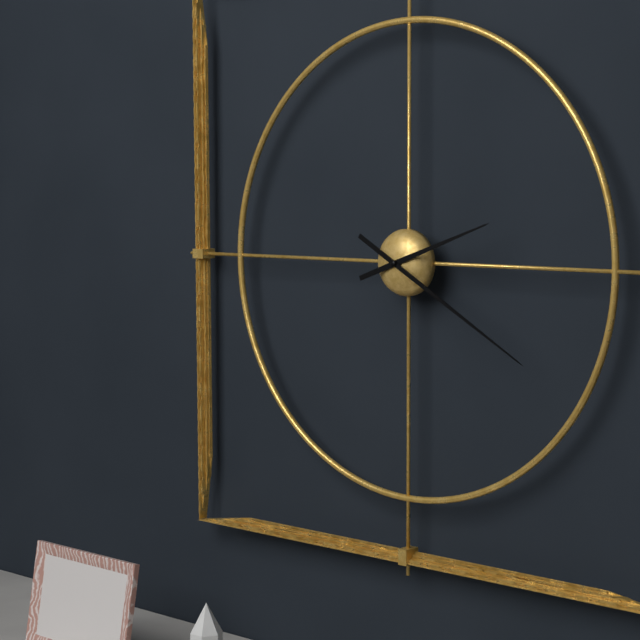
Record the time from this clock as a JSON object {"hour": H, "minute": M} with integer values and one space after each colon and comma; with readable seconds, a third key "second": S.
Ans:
{"hour": 2, "minute": 20}
